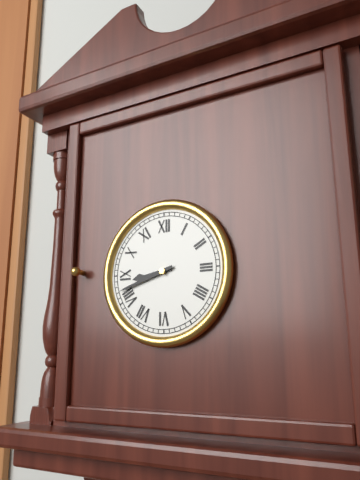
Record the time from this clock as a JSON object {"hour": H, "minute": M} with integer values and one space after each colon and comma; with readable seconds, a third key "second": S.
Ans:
{"hour": 8, "minute": 42}
